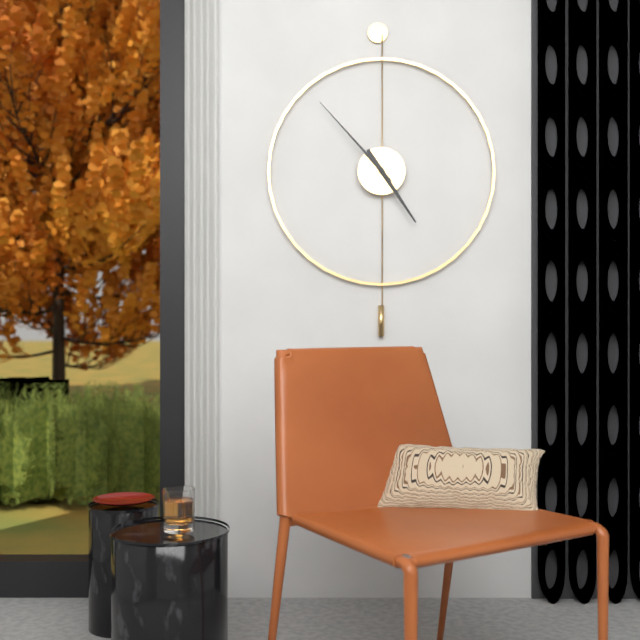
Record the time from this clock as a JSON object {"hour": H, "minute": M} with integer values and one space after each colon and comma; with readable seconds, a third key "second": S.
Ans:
{"hour": 4, "minute": 53}
